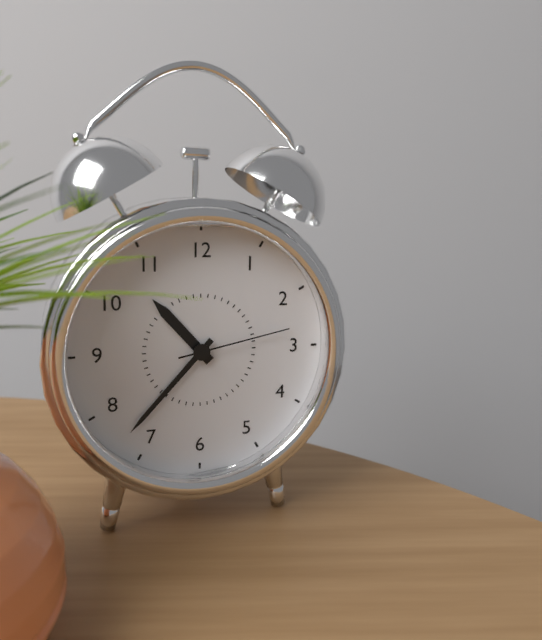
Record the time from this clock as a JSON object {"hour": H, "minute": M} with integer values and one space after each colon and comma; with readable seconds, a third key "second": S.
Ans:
{"hour": 10, "minute": 37, "second": 13}
